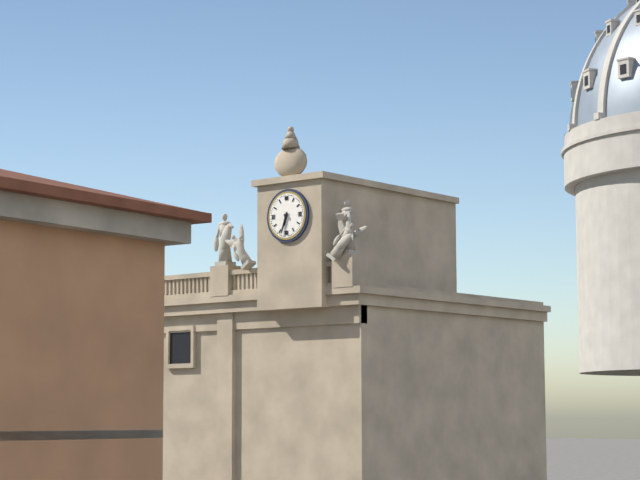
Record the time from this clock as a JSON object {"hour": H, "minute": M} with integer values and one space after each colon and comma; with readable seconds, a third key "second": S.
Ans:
{"hour": 6, "minute": 33}
